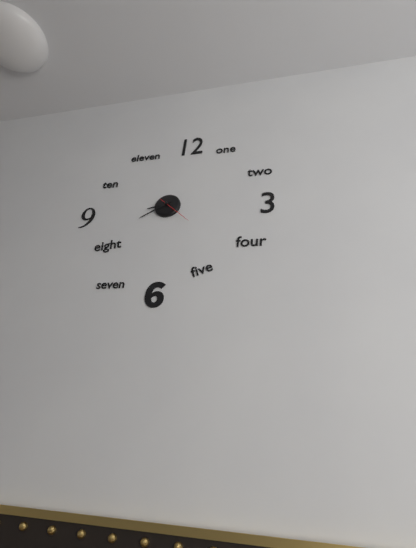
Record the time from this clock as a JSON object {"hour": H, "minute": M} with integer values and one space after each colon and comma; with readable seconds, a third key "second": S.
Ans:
{"hour": 8, "minute": 40}
